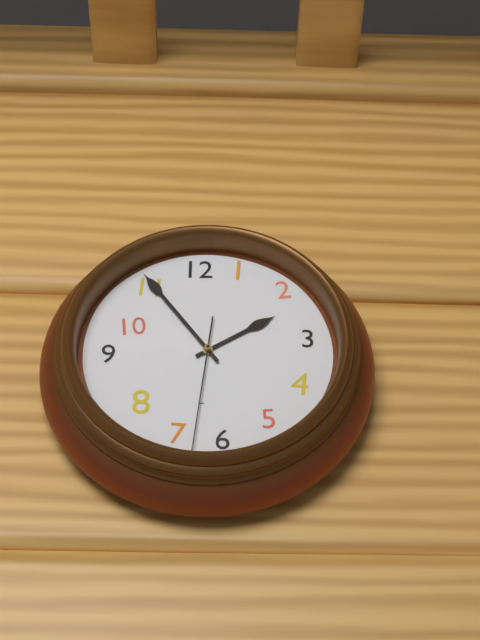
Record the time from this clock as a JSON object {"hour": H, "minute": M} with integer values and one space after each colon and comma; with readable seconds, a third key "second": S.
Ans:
{"hour": 1, "minute": 54, "second": 31}
